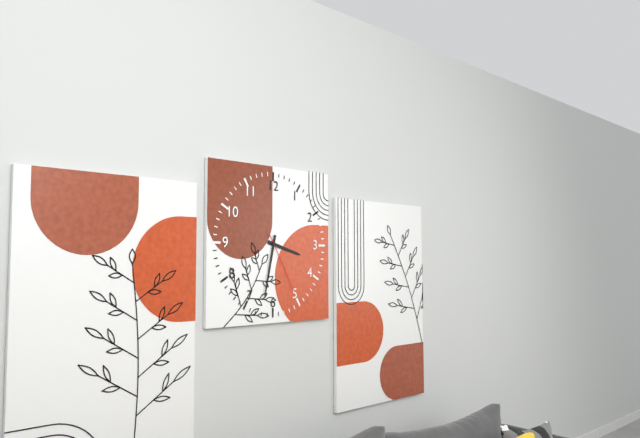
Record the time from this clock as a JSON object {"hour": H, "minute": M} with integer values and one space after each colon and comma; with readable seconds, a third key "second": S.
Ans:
{"hour": 3, "minute": 32, "second": 25}
